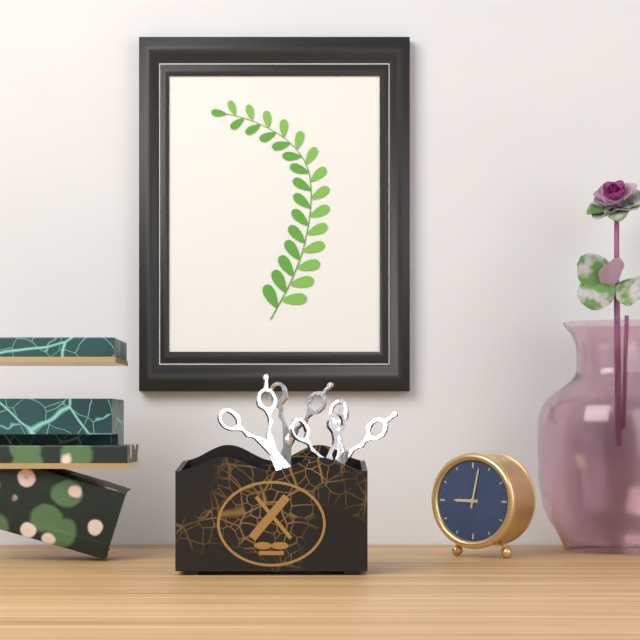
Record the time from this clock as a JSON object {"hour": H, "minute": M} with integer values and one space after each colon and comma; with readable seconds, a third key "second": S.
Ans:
{"hour": 9, "minute": 2}
